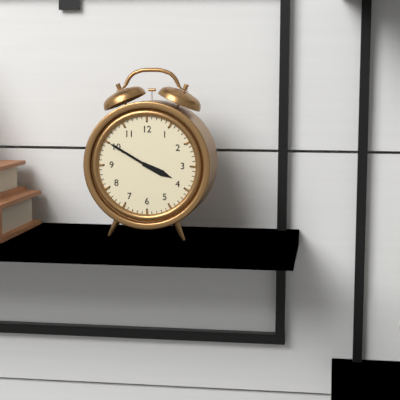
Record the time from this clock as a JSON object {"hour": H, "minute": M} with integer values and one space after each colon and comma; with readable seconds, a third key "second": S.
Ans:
{"hour": 3, "minute": 50}
